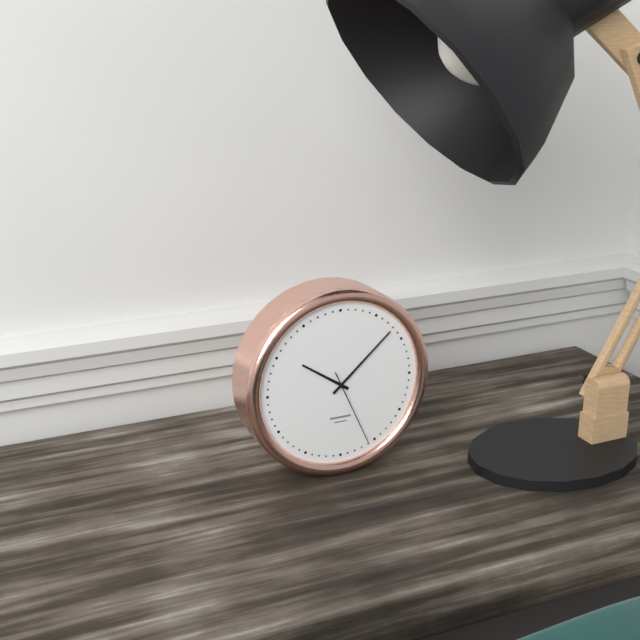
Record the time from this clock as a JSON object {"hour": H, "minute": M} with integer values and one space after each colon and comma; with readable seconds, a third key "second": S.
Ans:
{"hour": 10, "minute": 8, "second": 26}
